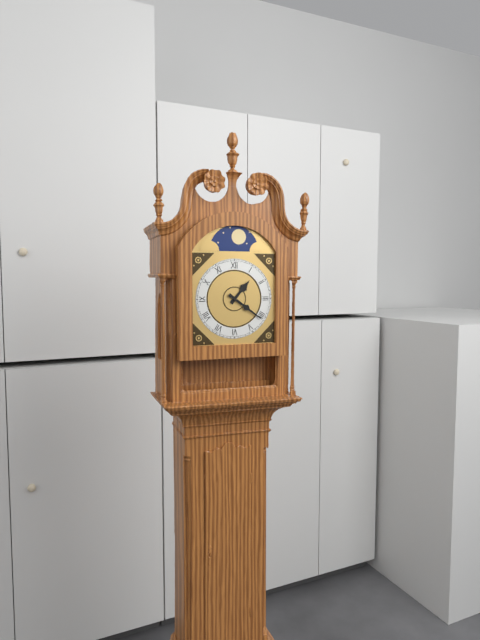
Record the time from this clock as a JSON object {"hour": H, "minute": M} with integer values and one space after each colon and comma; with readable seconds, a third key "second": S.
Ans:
{"hour": 1, "minute": 21}
